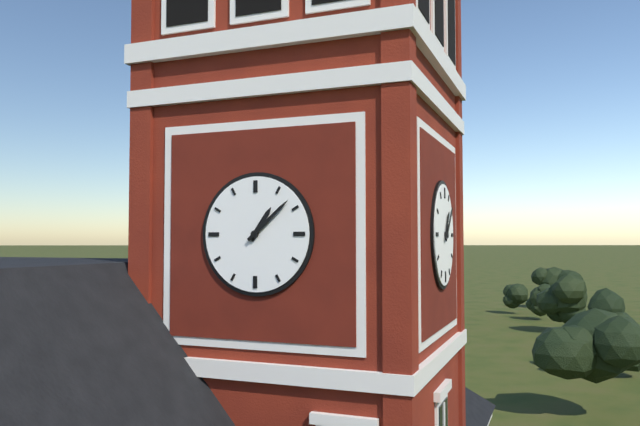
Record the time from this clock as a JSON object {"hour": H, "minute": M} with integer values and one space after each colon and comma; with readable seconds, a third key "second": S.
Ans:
{"hour": 1, "minute": 8}
